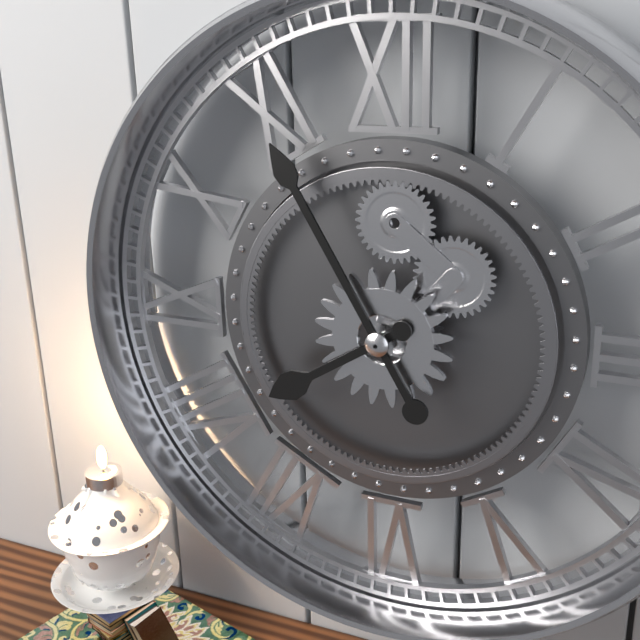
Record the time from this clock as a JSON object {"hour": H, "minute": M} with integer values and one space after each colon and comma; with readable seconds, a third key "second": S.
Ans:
{"hour": 7, "minute": 55}
